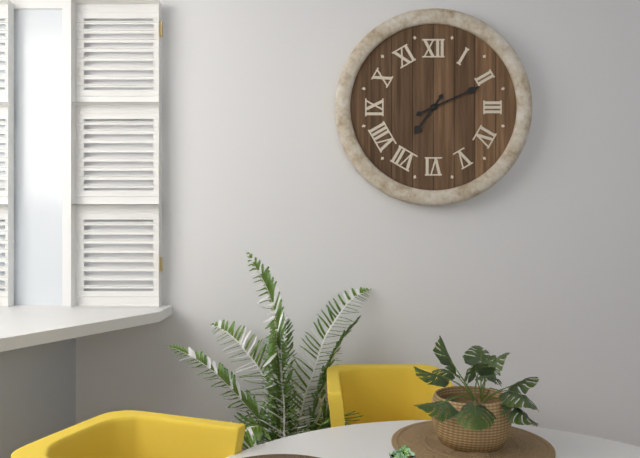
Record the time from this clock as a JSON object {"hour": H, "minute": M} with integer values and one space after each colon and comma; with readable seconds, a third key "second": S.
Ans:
{"hour": 7, "minute": 11}
